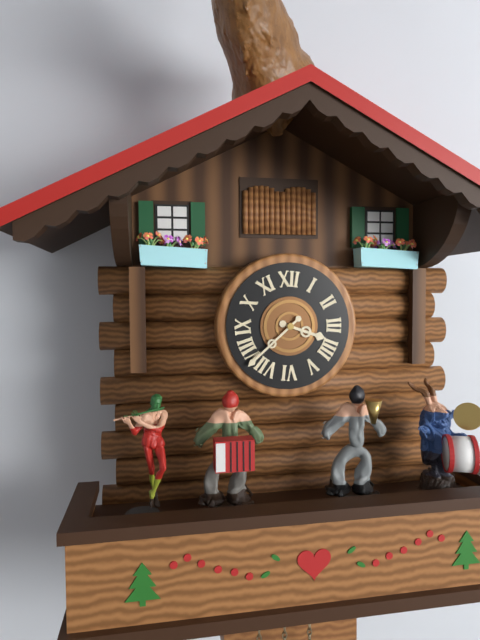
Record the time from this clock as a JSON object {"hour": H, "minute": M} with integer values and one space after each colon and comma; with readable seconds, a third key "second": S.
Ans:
{"hour": 3, "minute": 38}
